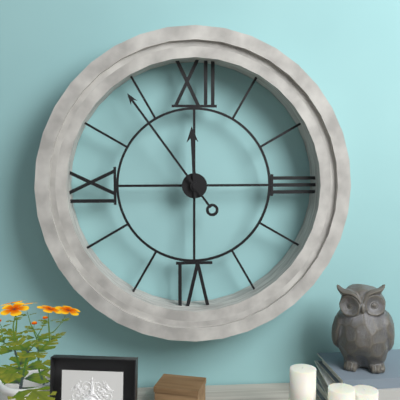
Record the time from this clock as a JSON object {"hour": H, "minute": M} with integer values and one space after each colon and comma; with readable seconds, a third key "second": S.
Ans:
{"hour": 11, "minute": 54}
